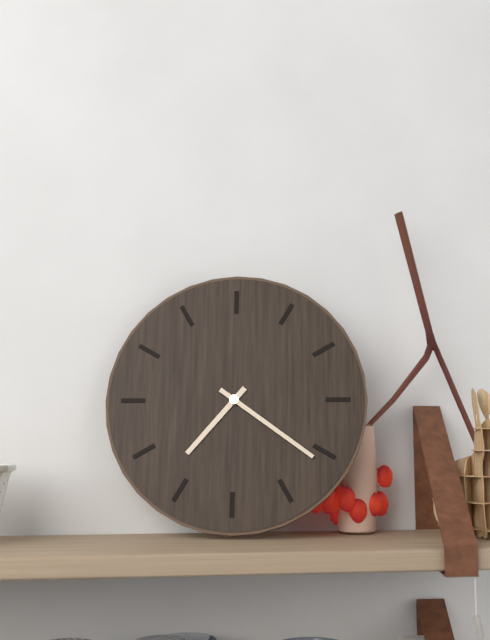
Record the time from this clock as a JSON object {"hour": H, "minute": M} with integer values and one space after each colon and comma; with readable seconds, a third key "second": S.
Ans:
{"hour": 7, "minute": 21}
